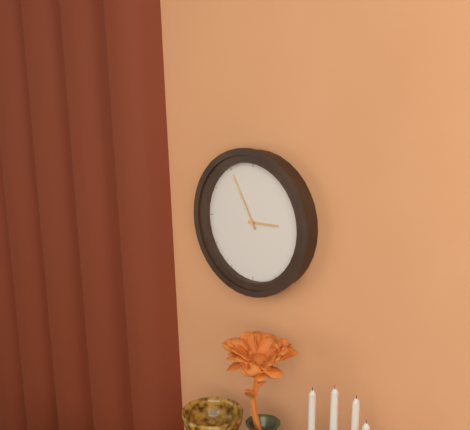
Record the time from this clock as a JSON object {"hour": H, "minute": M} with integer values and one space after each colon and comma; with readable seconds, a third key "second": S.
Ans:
{"hour": 2, "minute": 55}
